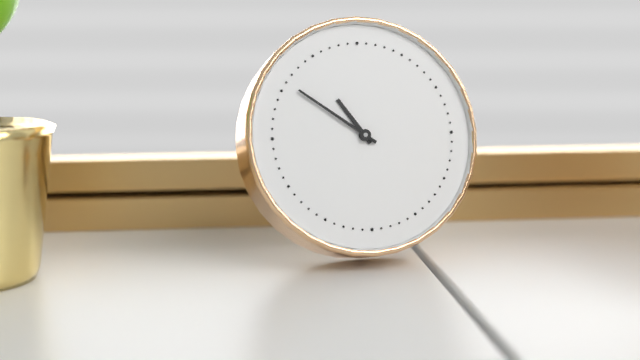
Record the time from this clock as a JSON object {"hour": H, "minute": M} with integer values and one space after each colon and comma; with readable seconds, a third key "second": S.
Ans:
{"hour": 10, "minute": 51}
